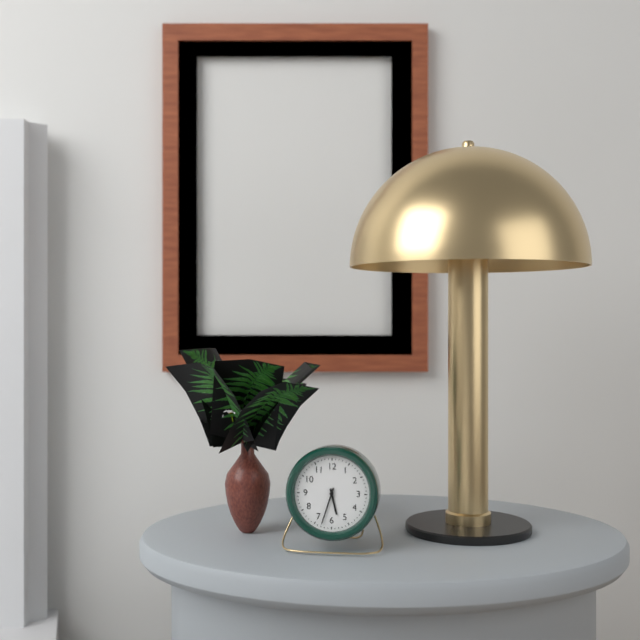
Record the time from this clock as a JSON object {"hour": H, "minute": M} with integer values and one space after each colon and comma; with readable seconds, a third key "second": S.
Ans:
{"hour": 5, "minute": 33}
